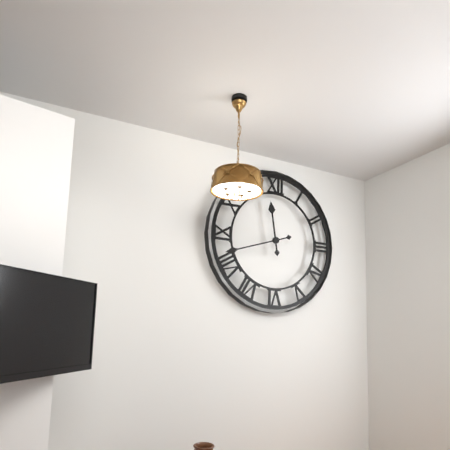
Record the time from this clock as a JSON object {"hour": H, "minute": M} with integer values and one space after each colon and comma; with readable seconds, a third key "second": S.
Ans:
{"hour": 11, "minute": 42}
